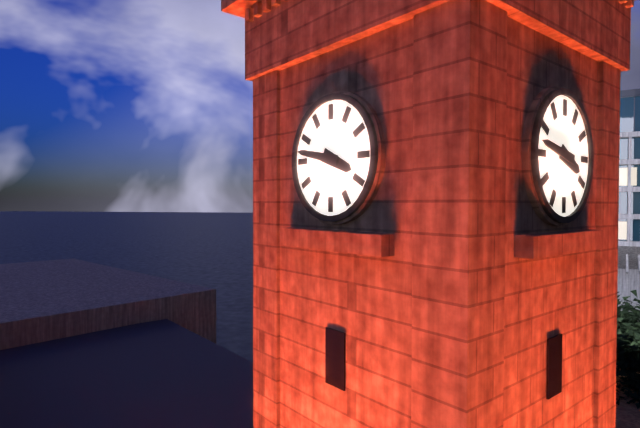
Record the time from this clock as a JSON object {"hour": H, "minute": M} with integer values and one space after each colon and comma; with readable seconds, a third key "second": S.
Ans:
{"hour": 3, "minute": 47}
